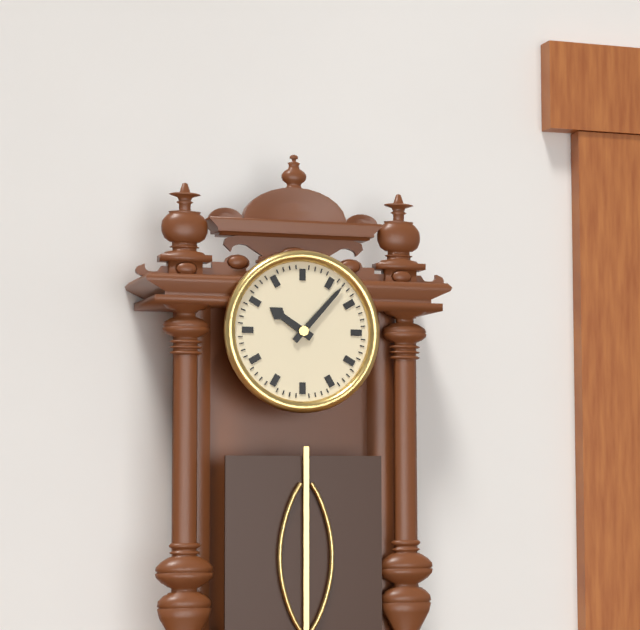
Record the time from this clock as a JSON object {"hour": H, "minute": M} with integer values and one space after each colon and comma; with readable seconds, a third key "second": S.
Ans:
{"hour": 10, "minute": 7}
